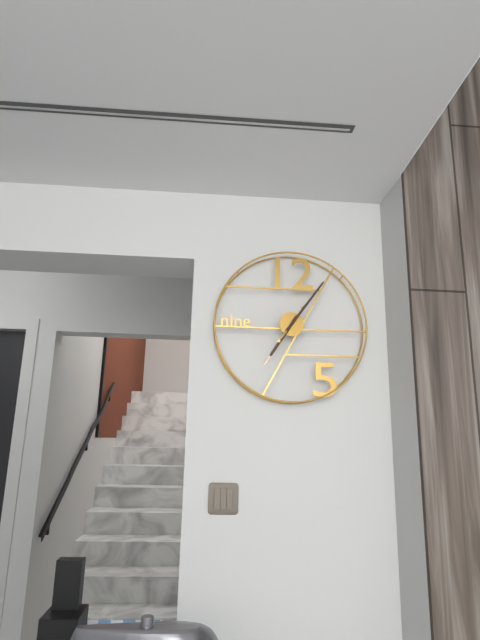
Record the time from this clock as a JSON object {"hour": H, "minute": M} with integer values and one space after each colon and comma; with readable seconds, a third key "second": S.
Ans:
{"hour": 7, "minute": 6}
